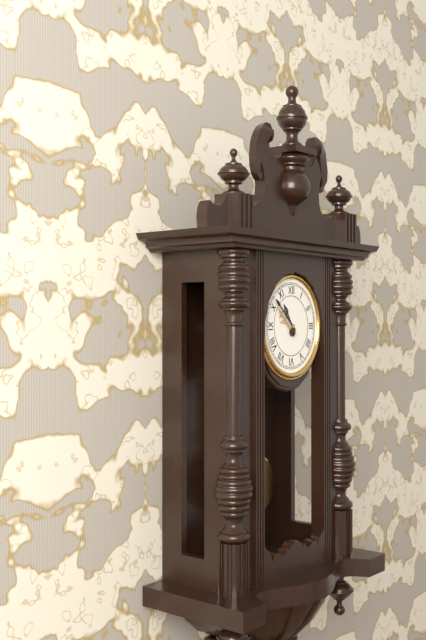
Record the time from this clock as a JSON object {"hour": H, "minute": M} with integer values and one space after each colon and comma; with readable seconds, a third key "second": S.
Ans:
{"hour": 10, "minute": 52}
